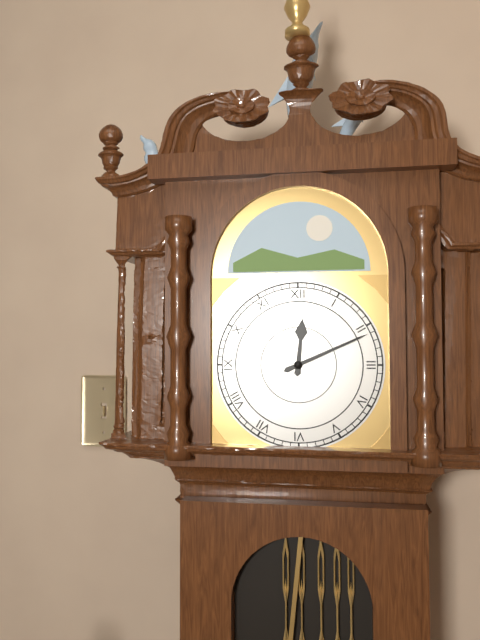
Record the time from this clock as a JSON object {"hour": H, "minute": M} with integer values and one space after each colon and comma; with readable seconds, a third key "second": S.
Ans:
{"hour": 12, "minute": 11}
